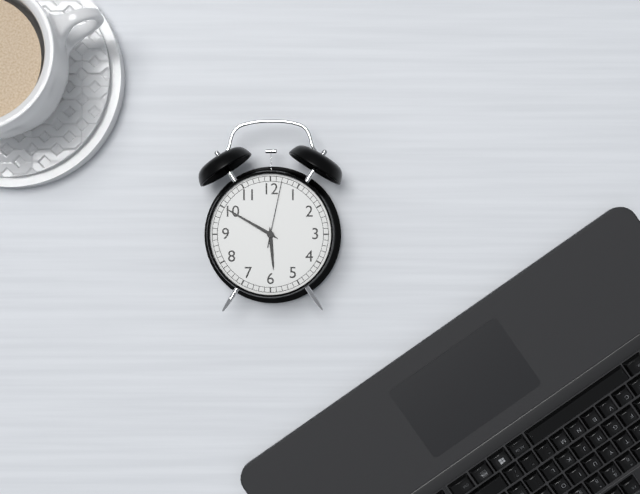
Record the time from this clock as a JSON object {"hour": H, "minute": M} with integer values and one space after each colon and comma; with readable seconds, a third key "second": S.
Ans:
{"hour": 5, "minute": 50, "second": 2}
